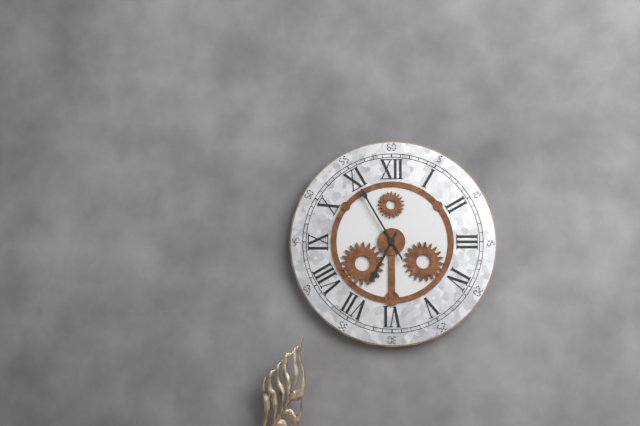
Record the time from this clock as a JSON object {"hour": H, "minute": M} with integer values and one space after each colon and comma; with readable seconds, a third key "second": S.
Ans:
{"hour": 6, "minute": 55}
